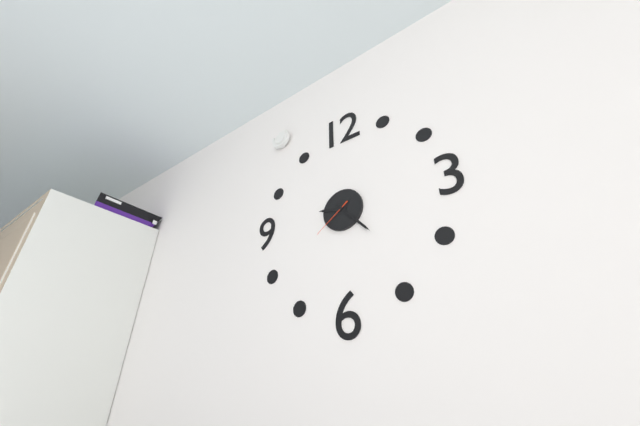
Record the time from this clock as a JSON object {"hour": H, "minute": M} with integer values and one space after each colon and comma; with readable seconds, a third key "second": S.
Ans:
{"hour": 9, "minute": 23}
